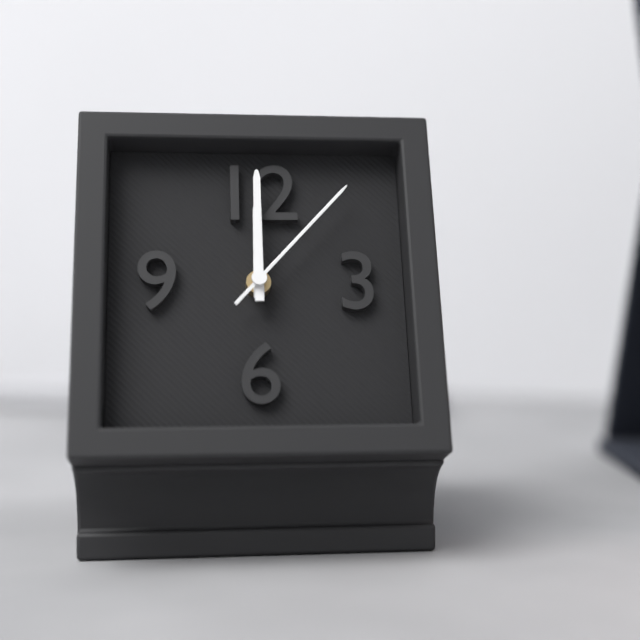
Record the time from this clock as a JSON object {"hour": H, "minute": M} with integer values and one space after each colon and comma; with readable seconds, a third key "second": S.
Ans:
{"hour": 12, "minute": 0, "second": 7}
